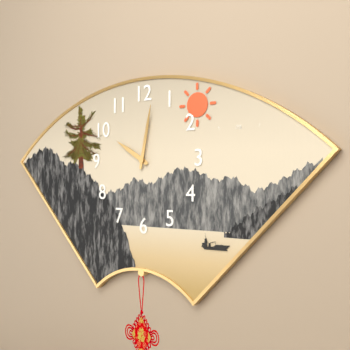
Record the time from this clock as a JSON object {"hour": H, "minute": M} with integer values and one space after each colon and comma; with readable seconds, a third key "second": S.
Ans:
{"hour": 10, "minute": 2}
